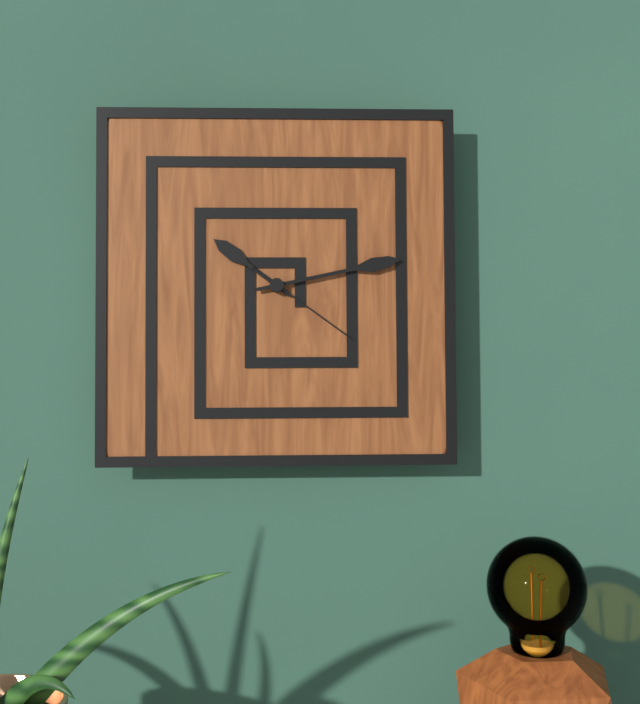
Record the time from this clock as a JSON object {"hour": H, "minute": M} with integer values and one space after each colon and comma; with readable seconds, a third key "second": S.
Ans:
{"hour": 10, "minute": 13, "second": 21}
